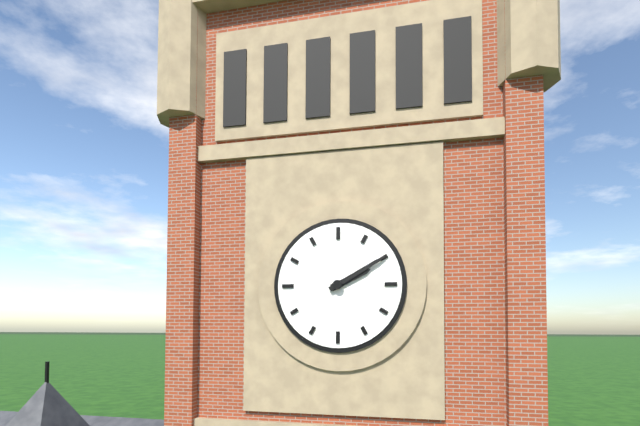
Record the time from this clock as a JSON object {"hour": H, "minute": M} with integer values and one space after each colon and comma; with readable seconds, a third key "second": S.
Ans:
{"hour": 2, "minute": 10}
